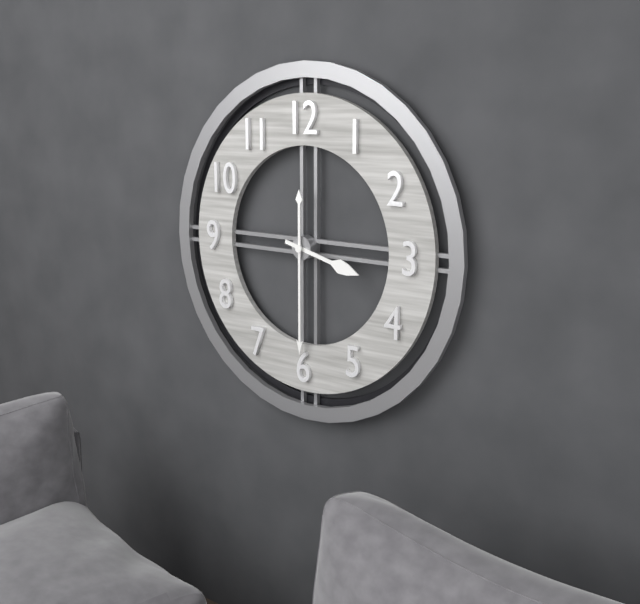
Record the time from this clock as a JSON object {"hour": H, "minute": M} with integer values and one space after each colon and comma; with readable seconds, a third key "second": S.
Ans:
{"hour": 3, "minute": 30}
